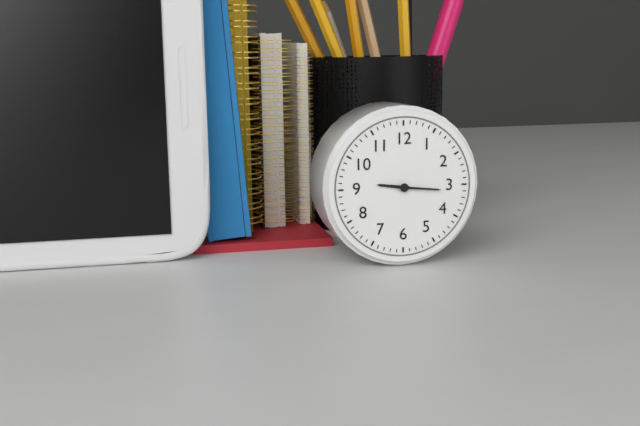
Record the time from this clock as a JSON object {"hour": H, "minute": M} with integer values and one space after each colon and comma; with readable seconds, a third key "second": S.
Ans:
{"hour": 9, "minute": 16}
